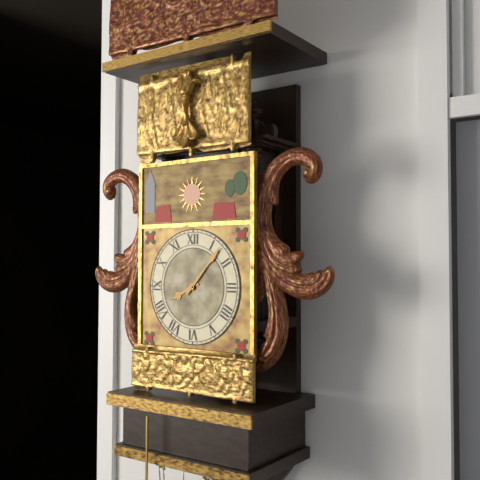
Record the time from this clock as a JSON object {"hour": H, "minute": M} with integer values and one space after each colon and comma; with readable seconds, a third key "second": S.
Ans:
{"hour": 8, "minute": 7}
